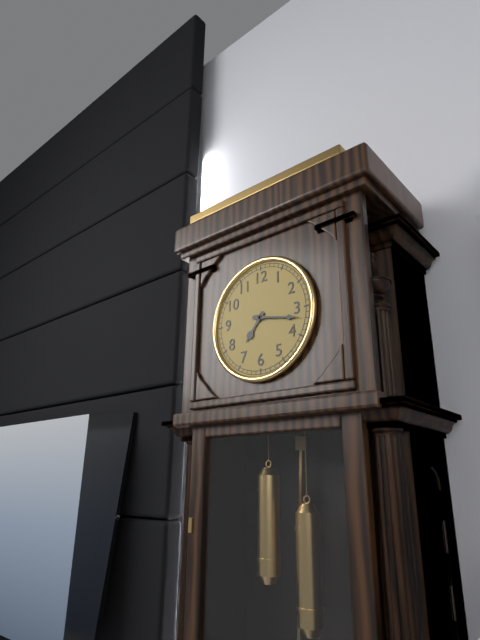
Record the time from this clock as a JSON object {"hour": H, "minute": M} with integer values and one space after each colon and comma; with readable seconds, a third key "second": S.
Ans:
{"hour": 7, "minute": 17}
